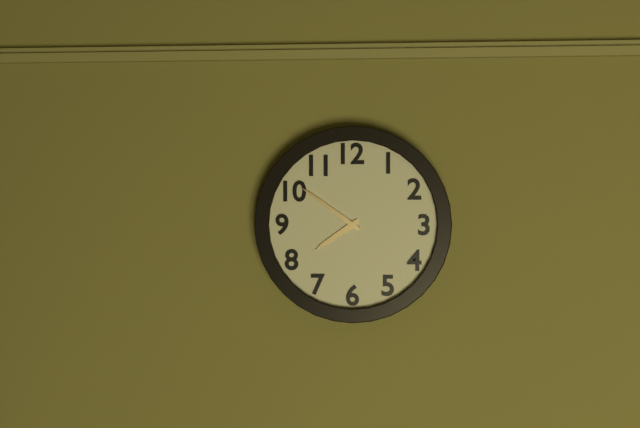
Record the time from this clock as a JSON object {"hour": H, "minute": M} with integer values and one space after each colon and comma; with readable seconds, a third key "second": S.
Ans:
{"hour": 7, "minute": 51}
